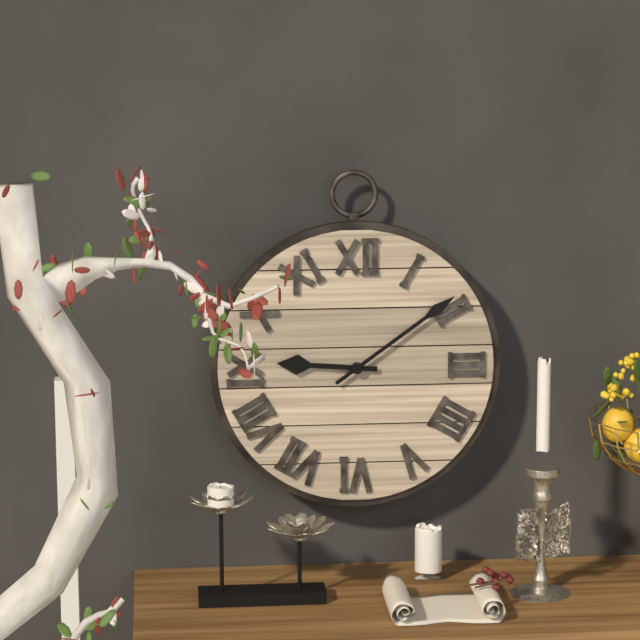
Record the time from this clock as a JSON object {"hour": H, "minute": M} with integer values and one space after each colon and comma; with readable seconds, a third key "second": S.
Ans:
{"hour": 9, "minute": 9}
